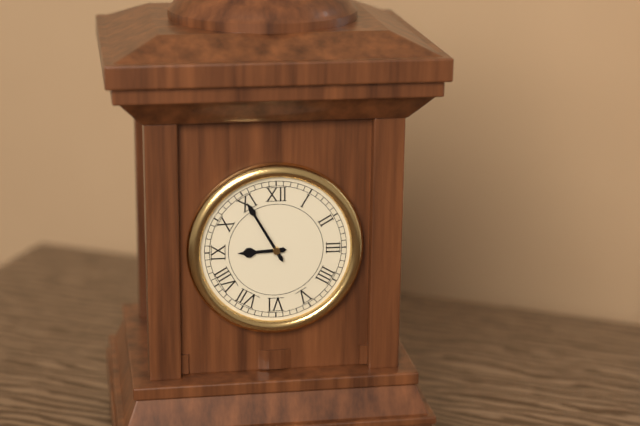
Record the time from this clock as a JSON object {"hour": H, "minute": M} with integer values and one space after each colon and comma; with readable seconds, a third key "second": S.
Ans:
{"hour": 8, "minute": 55}
